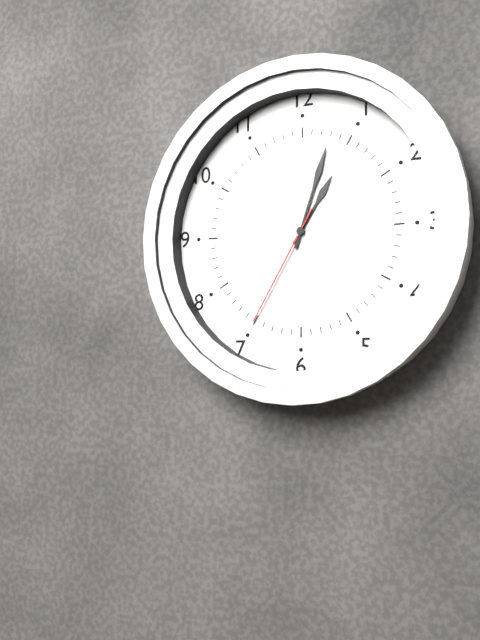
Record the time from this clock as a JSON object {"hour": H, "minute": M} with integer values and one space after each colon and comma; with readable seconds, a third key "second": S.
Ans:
{"hour": 1, "minute": 3, "second": 35}
